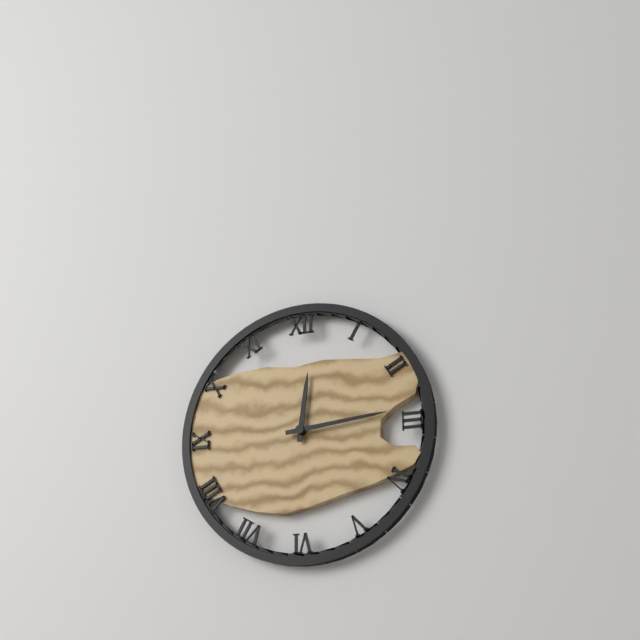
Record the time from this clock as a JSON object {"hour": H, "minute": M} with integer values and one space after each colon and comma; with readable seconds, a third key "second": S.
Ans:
{"hour": 12, "minute": 14}
